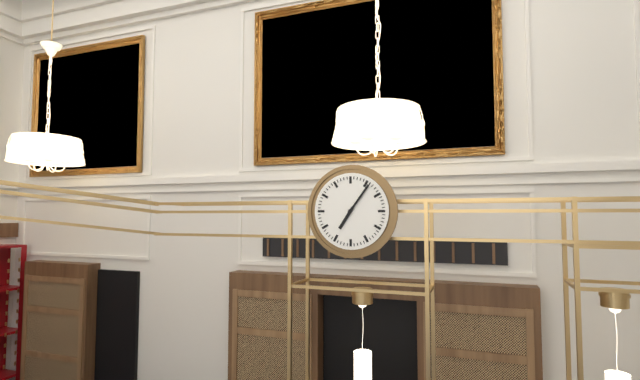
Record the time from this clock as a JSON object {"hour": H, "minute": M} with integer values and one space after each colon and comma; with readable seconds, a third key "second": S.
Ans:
{"hour": 7, "minute": 6}
